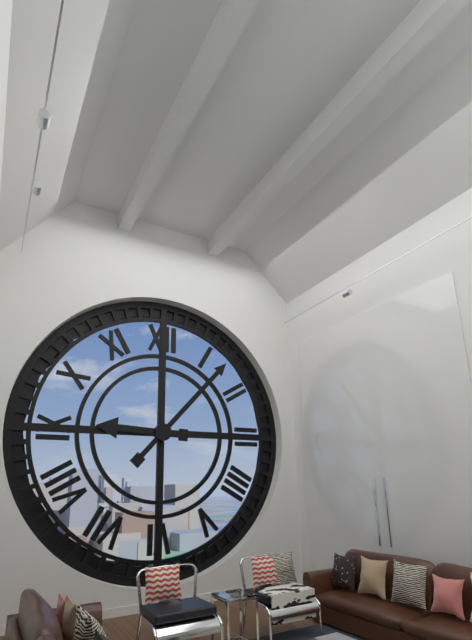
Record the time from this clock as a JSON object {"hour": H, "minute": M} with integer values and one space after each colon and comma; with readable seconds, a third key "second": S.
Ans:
{"hour": 9, "minute": 7}
